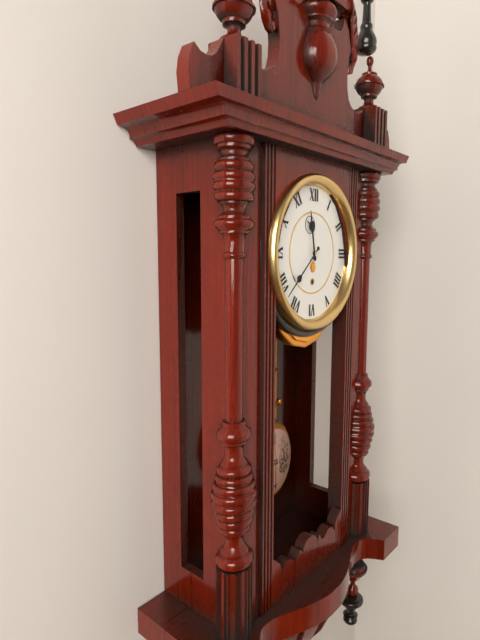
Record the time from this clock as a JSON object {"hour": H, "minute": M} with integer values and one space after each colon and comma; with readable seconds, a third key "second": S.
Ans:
{"hour": 11, "minute": 38}
